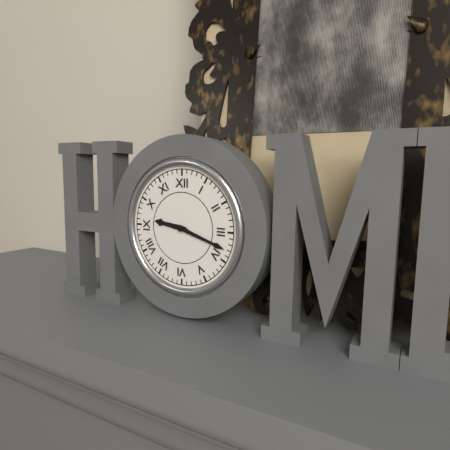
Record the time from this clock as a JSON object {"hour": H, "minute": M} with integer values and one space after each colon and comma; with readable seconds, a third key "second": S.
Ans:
{"hour": 9, "minute": 18}
